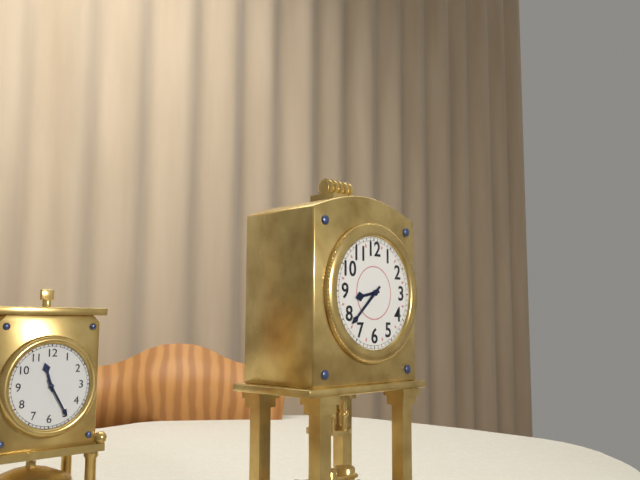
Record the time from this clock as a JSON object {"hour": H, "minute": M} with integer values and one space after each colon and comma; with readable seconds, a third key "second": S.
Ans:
{"hour": 8, "minute": 38}
